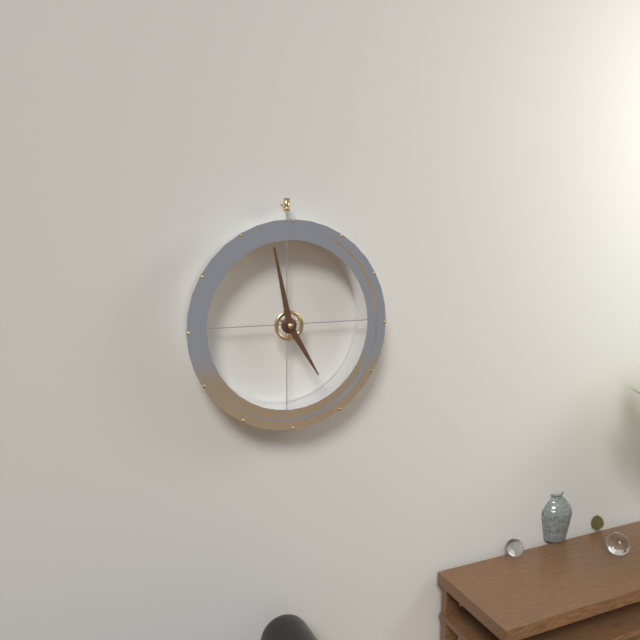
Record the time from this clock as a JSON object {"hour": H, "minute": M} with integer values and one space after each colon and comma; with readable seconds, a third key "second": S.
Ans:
{"hour": 4, "minute": 58}
